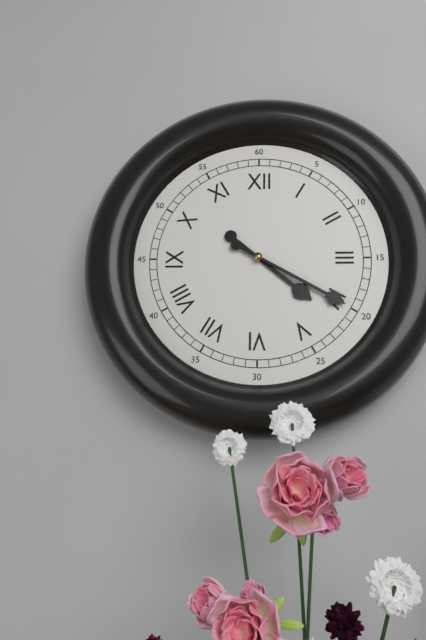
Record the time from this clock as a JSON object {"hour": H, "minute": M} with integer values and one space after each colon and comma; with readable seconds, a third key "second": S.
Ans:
{"hour": 4, "minute": 20}
